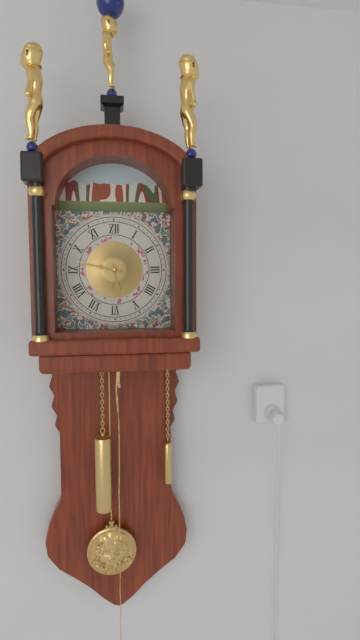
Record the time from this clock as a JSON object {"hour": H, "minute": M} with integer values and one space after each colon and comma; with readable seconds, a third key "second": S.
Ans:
{"hour": 5, "minute": 47}
